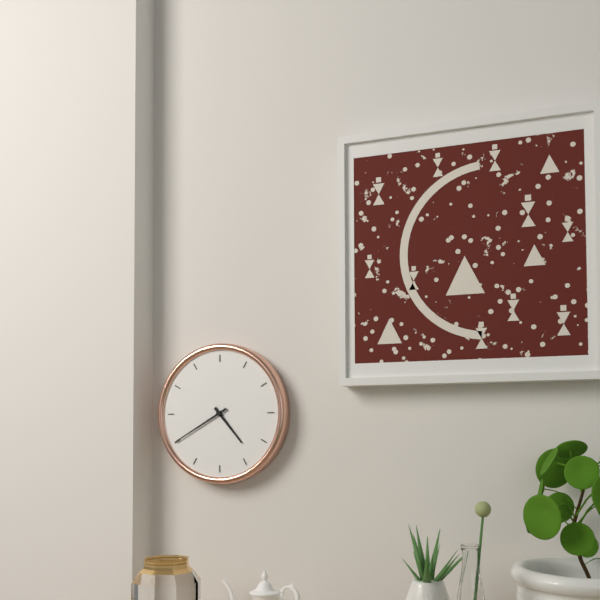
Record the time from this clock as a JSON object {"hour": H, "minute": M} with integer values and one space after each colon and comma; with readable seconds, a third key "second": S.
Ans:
{"hour": 4, "minute": 40}
